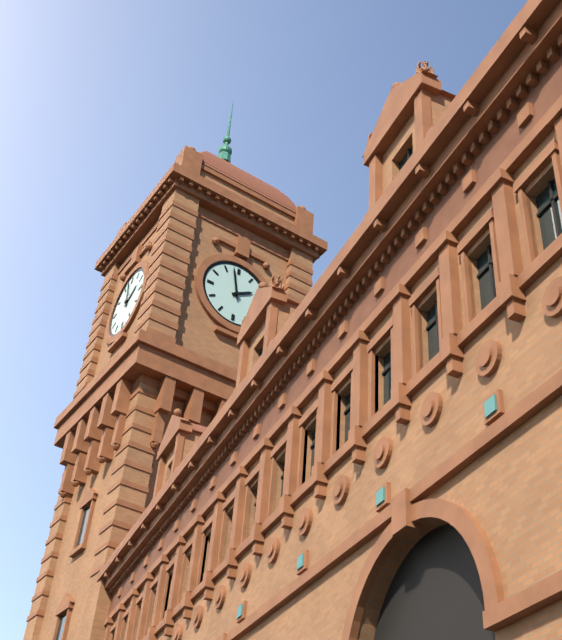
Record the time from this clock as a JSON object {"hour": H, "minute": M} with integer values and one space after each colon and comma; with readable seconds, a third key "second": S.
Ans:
{"hour": 1, "minute": 58}
